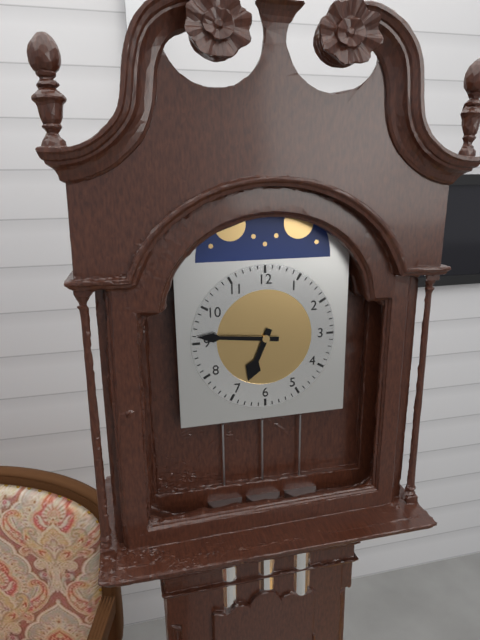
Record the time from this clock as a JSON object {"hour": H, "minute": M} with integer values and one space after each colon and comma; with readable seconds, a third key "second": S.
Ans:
{"hour": 6, "minute": 46}
